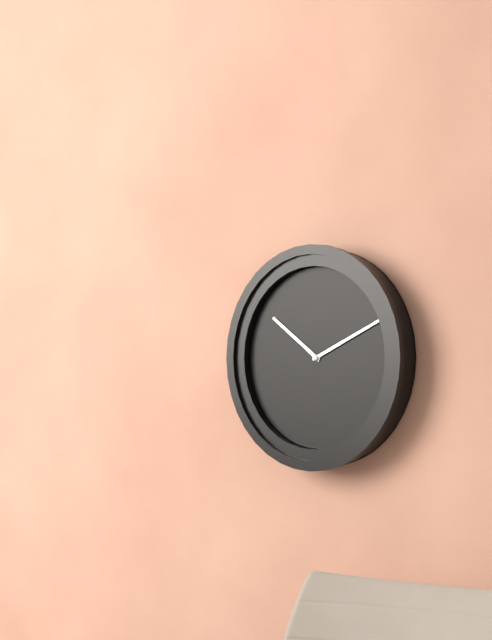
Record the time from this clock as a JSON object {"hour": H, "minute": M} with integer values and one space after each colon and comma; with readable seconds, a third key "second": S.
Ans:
{"hour": 10, "minute": 11}
